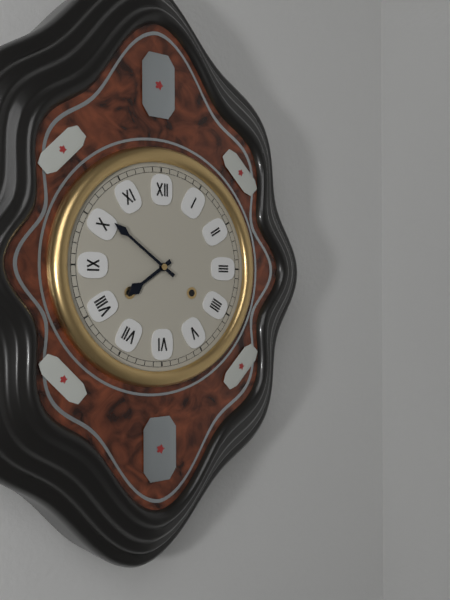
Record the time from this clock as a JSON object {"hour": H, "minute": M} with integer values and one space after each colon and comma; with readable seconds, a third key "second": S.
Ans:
{"hour": 7, "minute": 51}
